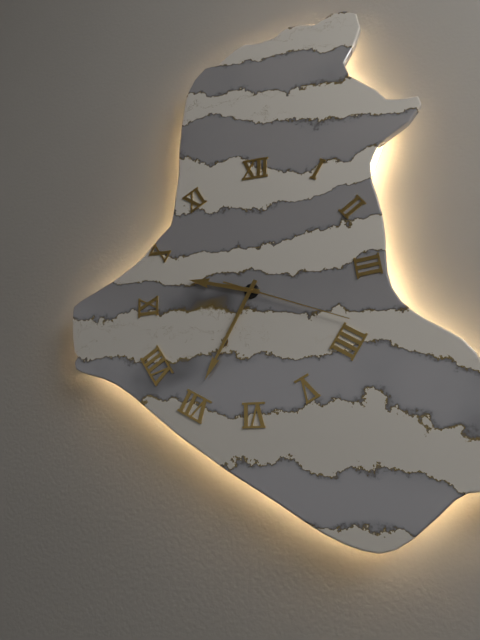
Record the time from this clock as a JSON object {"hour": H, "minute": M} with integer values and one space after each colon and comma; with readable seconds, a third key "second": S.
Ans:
{"hour": 9, "minute": 35, "second": 19}
